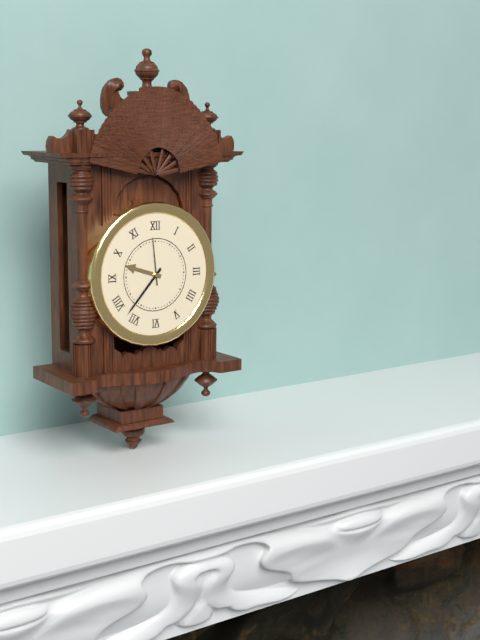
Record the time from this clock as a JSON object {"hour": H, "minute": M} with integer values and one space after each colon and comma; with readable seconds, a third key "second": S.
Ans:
{"hour": 9, "minute": 37}
